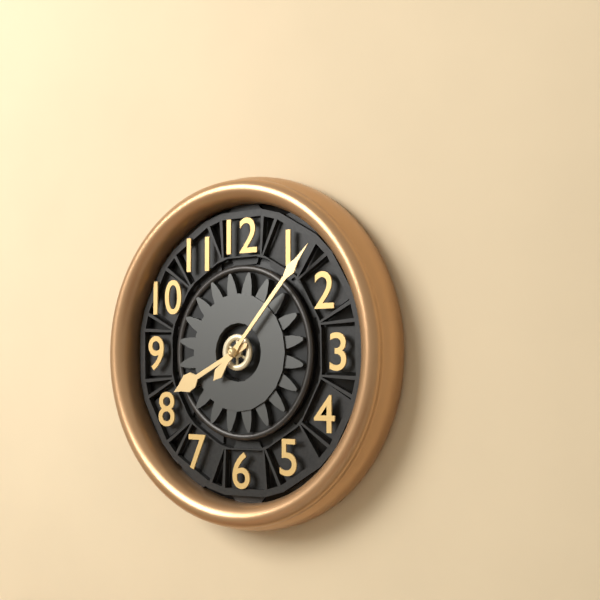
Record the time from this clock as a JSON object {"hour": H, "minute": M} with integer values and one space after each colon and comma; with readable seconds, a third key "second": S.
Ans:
{"hour": 8, "minute": 7}
